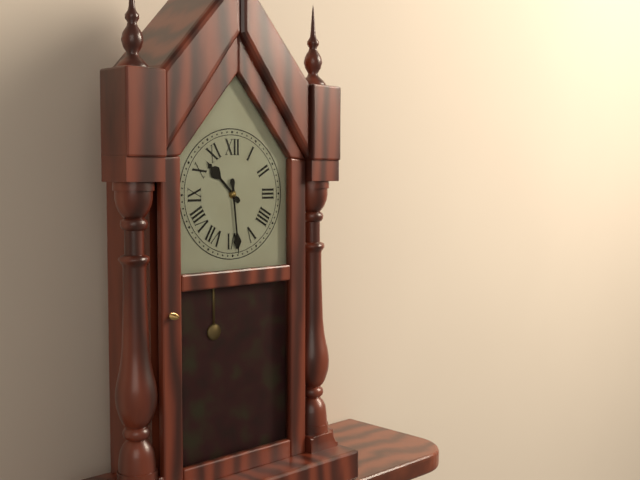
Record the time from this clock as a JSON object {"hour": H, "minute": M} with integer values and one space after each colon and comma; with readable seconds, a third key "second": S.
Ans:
{"hour": 10, "minute": 29}
